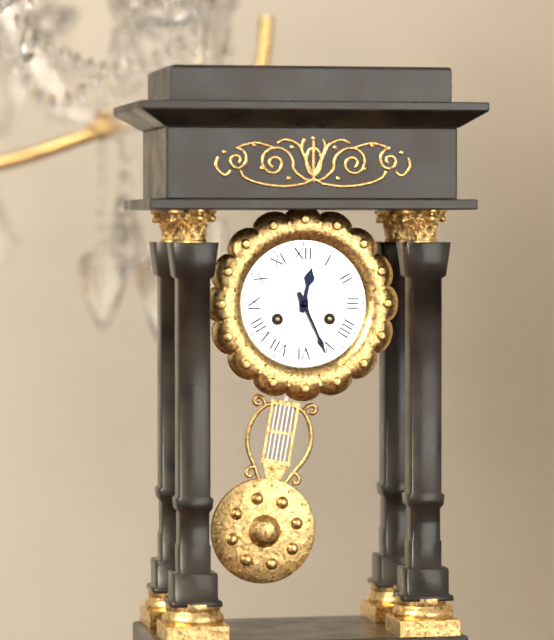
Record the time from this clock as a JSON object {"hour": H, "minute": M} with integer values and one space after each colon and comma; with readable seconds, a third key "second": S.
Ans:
{"hour": 12, "minute": 26}
